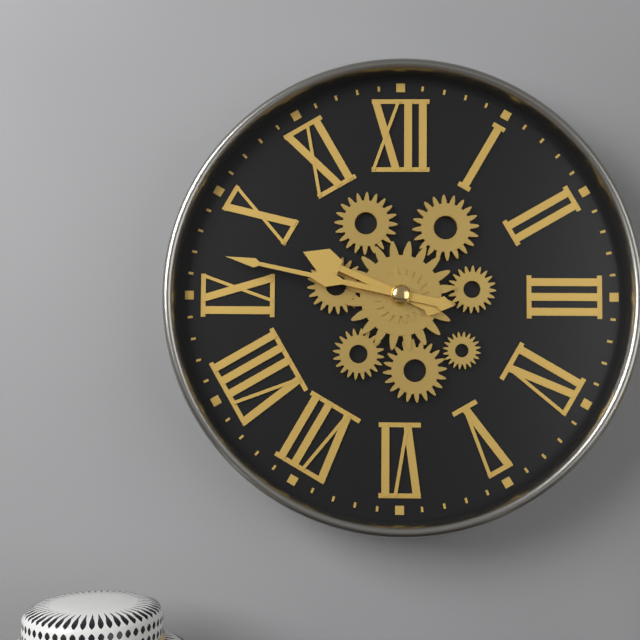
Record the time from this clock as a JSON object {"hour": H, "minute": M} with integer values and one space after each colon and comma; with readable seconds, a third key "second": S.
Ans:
{"hour": 9, "minute": 47}
